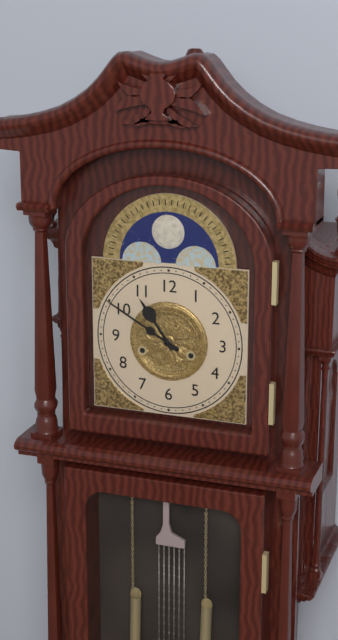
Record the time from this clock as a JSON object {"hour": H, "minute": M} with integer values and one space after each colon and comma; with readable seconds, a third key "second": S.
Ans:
{"hour": 10, "minute": 50}
